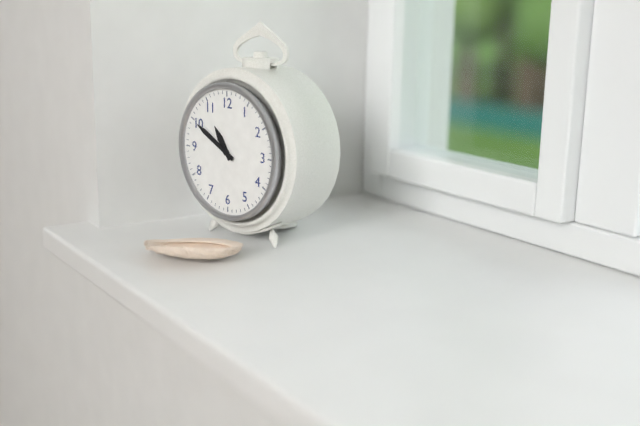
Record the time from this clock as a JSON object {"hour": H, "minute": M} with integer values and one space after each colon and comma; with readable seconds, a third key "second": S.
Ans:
{"hour": 10, "minute": 50}
